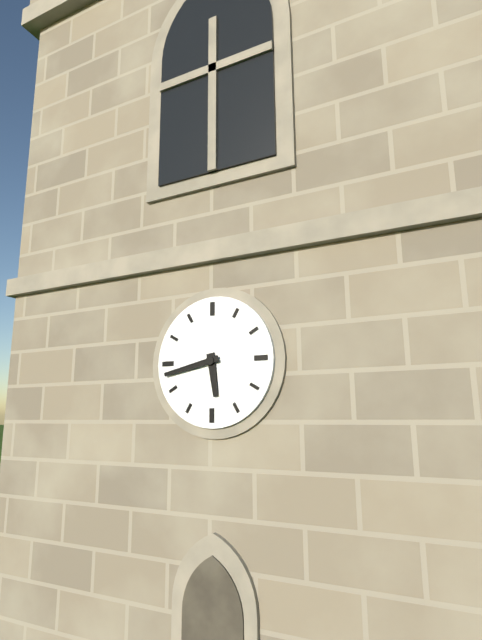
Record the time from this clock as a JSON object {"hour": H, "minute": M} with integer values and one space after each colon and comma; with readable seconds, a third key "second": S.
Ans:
{"hour": 5, "minute": 43}
